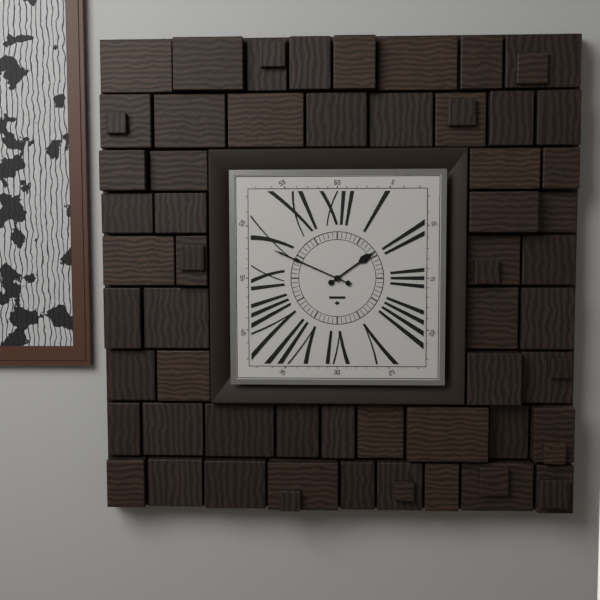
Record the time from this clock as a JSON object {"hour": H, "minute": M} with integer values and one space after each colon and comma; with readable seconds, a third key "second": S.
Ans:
{"hour": 1, "minute": 49}
